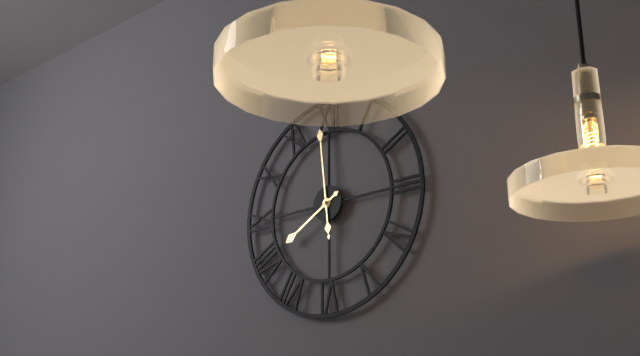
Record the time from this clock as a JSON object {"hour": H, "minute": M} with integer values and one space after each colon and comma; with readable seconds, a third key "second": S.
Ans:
{"hour": 7, "minute": 59}
